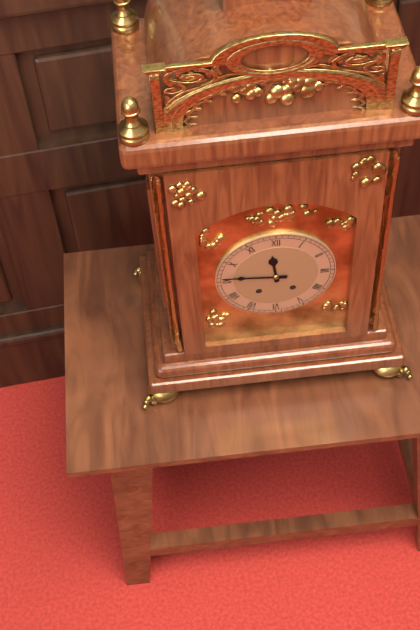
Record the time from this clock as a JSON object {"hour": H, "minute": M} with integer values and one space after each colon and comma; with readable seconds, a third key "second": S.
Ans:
{"hour": 11, "minute": 46}
